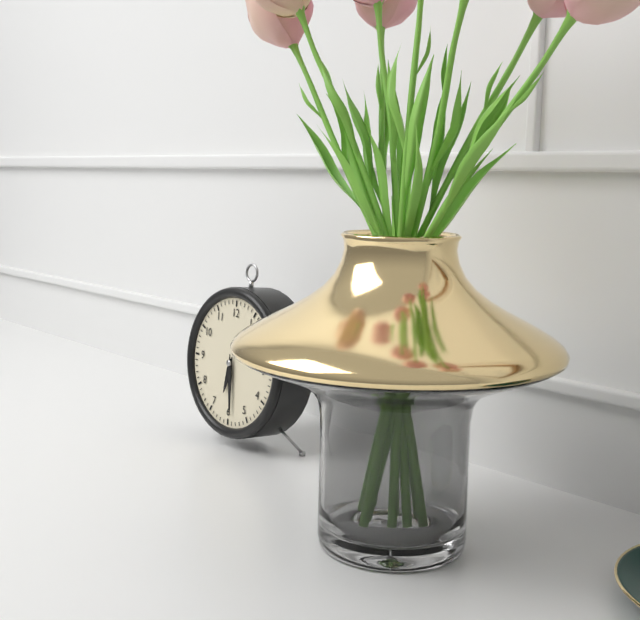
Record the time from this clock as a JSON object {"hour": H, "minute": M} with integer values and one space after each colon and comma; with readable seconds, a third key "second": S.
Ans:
{"hour": 6, "minute": 29}
